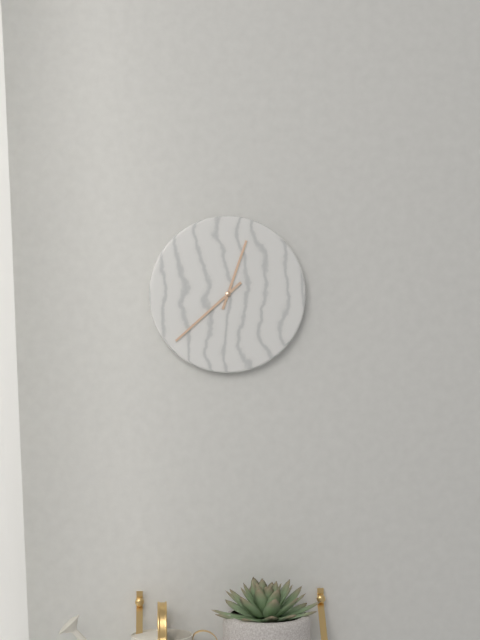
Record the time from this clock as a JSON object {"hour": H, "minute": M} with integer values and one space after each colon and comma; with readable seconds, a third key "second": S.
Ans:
{"hour": 12, "minute": 38}
